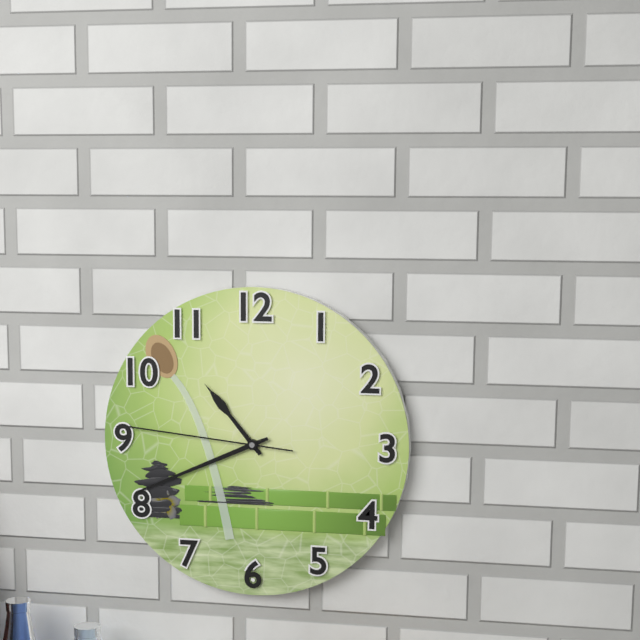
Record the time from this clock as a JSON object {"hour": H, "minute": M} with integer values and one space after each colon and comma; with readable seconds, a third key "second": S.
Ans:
{"hour": 10, "minute": 41, "second": 46}
